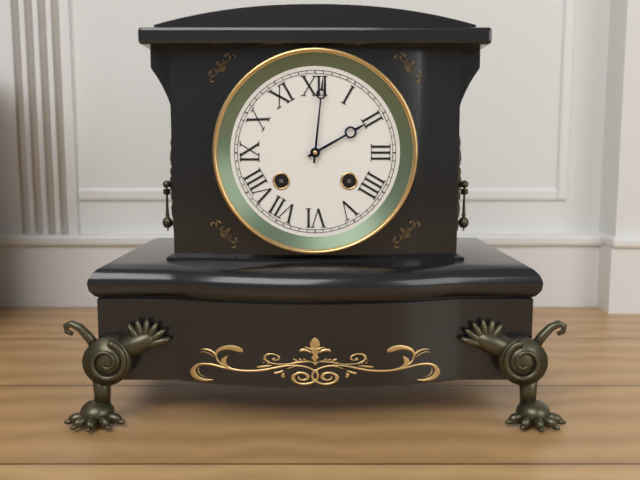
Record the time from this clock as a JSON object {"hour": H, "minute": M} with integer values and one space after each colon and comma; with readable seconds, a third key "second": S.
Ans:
{"hour": 2, "minute": 1}
